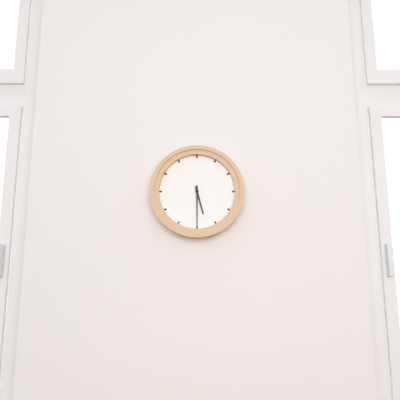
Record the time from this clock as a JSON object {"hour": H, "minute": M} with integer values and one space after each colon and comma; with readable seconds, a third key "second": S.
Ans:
{"hour": 5, "minute": 30}
